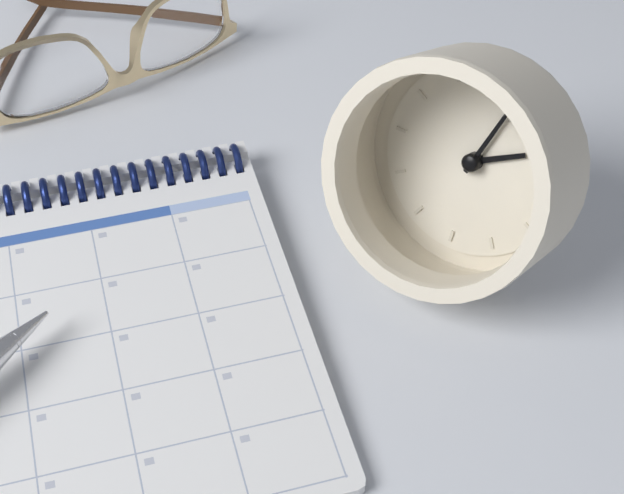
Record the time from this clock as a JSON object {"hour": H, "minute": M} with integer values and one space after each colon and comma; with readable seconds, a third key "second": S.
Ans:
{"hour": 2, "minute": 3}
